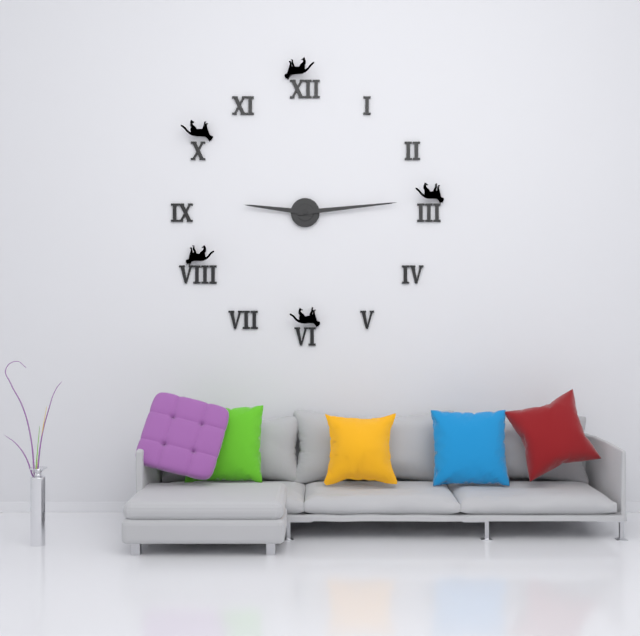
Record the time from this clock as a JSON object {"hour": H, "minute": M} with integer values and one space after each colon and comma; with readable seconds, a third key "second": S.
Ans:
{"hour": 9, "minute": 14}
